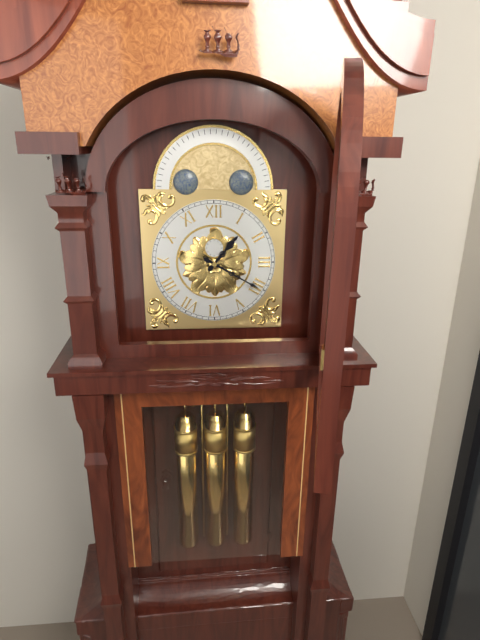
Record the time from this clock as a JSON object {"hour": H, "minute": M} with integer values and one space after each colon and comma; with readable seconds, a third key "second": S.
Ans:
{"hour": 1, "minute": 20}
